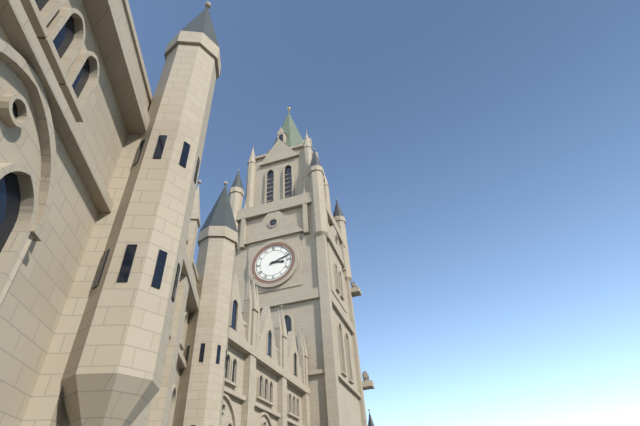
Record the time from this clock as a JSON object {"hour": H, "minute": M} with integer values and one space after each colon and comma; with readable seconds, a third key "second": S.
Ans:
{"hour": 3, "minute": 12}
